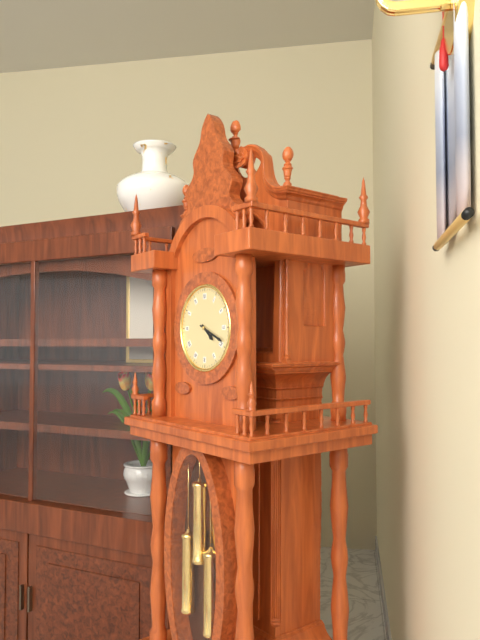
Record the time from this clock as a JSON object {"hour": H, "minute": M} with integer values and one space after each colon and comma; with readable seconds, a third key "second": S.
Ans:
{"hour": 4, "minute": 19}
